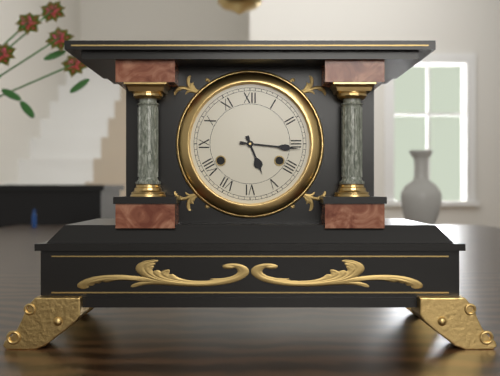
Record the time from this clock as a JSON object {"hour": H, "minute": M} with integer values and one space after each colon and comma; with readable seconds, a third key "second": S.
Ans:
{"hour": 5, "minute": 16}
